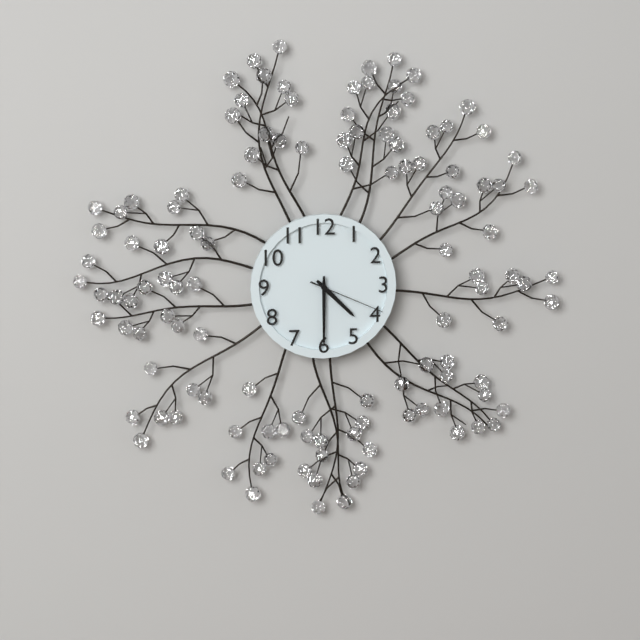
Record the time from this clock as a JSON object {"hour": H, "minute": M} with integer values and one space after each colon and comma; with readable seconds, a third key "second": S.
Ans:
{"hour": 4, "minute": 30, "second": 19}
